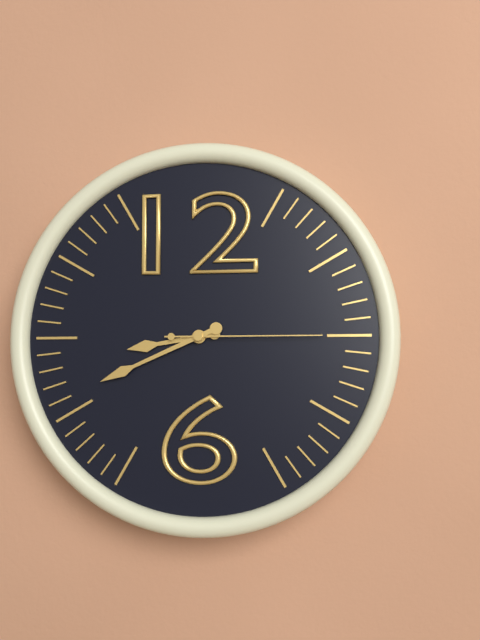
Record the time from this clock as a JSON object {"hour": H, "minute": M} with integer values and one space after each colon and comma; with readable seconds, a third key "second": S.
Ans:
{"hour": 8, "minute": 41, "second": 15}
